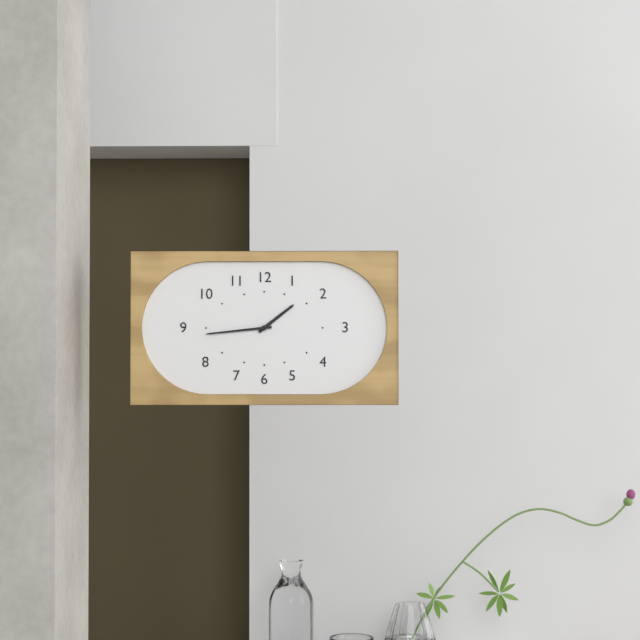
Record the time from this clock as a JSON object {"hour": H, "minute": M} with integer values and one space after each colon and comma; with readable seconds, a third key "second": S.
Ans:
{"hour": 1, "minute": 44}
